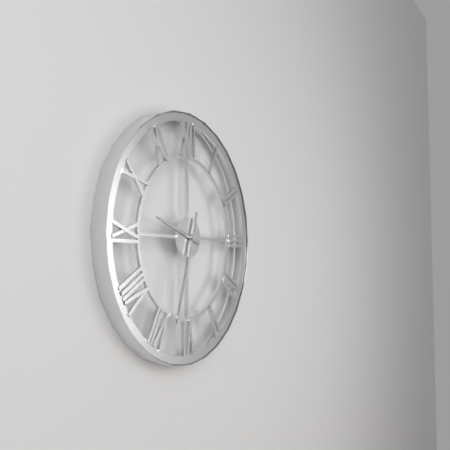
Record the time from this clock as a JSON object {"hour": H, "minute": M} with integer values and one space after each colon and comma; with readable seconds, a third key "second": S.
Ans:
{"hour": 9, "minute": 33}
